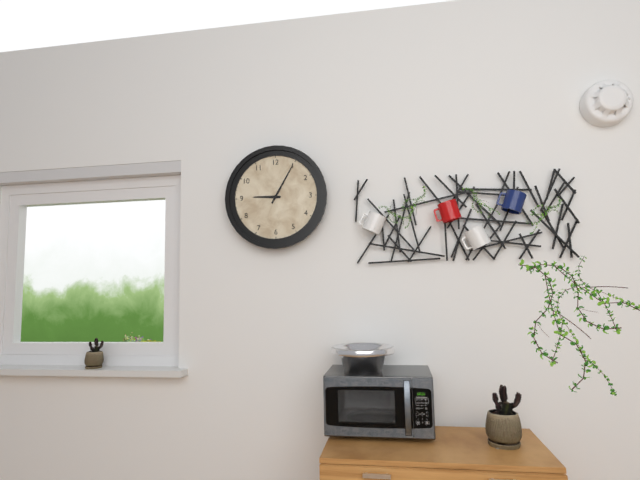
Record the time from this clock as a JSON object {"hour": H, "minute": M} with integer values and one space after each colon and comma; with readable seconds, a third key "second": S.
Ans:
{"hour": 9, "minute": 5}
